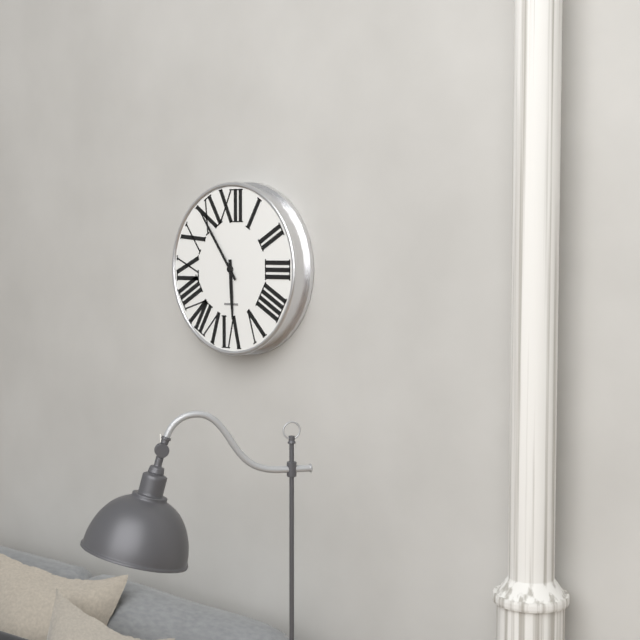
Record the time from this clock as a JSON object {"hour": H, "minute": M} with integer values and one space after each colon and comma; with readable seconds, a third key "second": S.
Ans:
{"hour": 5, "minute": 54}
